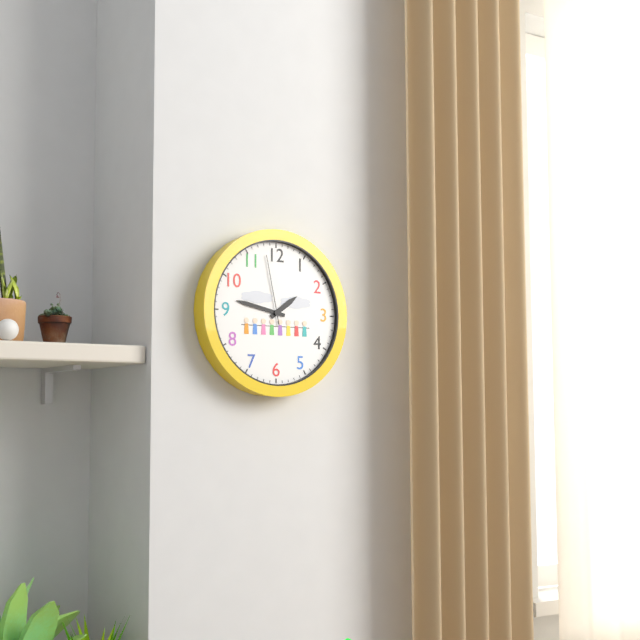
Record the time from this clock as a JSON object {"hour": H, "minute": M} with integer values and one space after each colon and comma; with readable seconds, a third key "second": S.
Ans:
{"hour": 1, "minute": 47, "second": 58}
